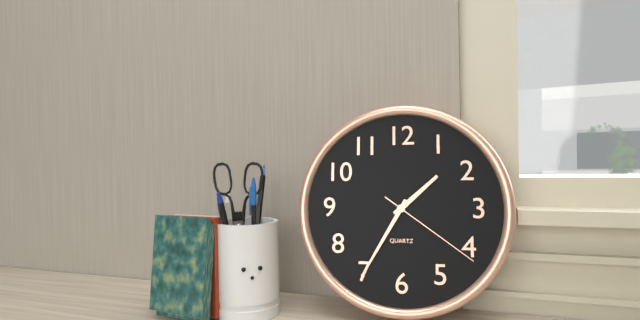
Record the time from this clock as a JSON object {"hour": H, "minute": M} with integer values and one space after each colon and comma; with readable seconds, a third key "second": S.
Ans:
{"hour": 1, "minute": 35, "second": 21}
